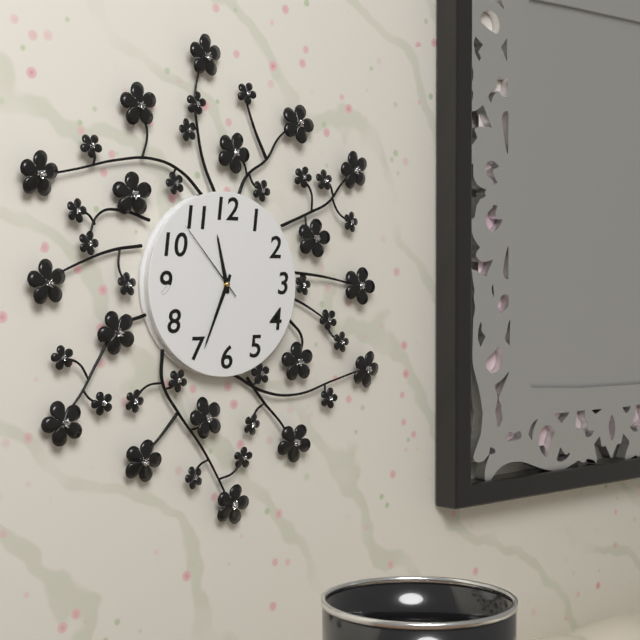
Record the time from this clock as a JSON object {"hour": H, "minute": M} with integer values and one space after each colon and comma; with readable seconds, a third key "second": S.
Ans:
{"hour": 11, "minute": 34, "second": 53}
